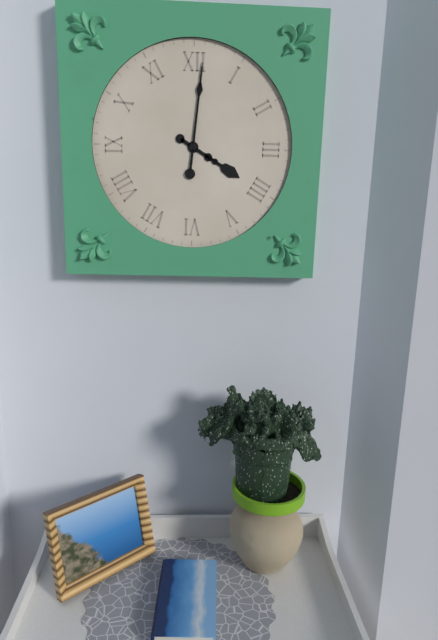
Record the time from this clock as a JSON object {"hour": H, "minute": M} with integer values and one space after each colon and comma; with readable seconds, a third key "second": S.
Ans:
{"hour": 4, "minute": 1}
